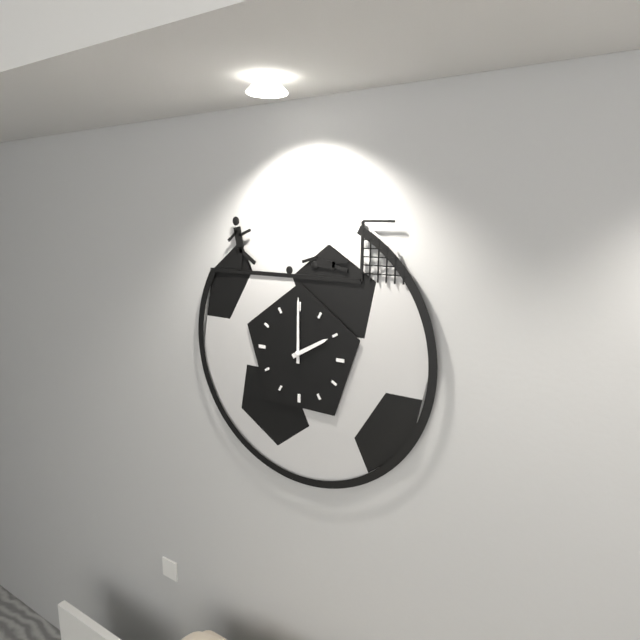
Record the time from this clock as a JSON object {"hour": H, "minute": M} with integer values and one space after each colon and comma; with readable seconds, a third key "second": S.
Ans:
{"hour": 2, "minute": 0}
